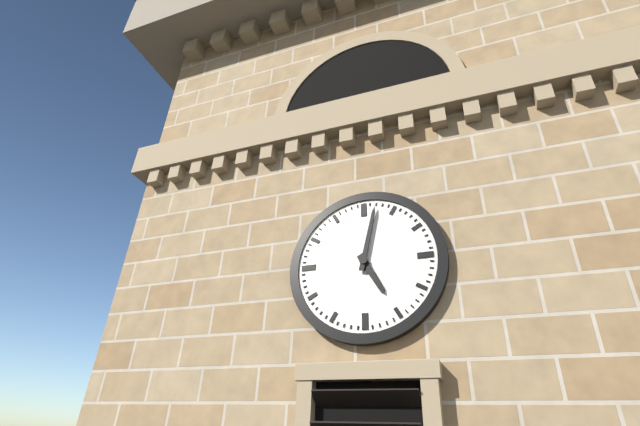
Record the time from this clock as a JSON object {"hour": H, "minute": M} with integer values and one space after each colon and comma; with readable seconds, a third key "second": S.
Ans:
{"hour": 5, "minute": 2}
